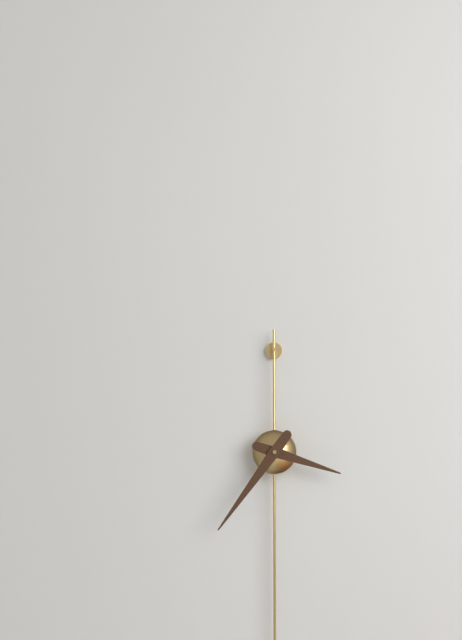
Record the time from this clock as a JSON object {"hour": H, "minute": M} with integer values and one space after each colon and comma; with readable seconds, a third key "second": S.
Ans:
{"hour": 3, "minute": 36}
